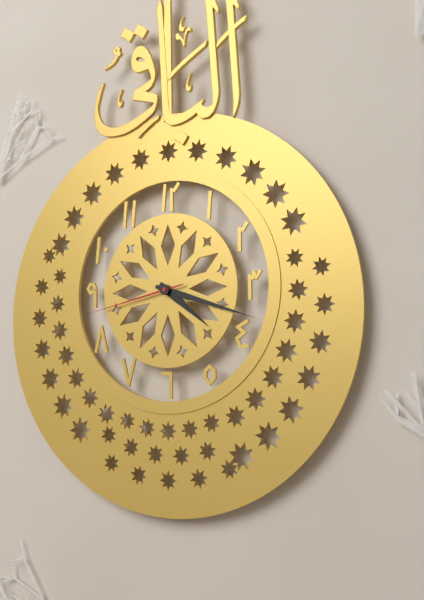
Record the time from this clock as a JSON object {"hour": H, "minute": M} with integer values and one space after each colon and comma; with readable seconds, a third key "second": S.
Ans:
{"hour": 4, "minute": 18, "second": 43}
